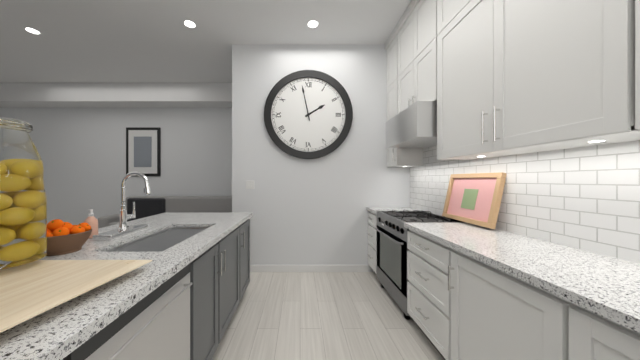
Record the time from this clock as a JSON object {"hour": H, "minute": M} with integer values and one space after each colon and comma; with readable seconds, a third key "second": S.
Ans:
{"hour": 1, "minute": 58}
